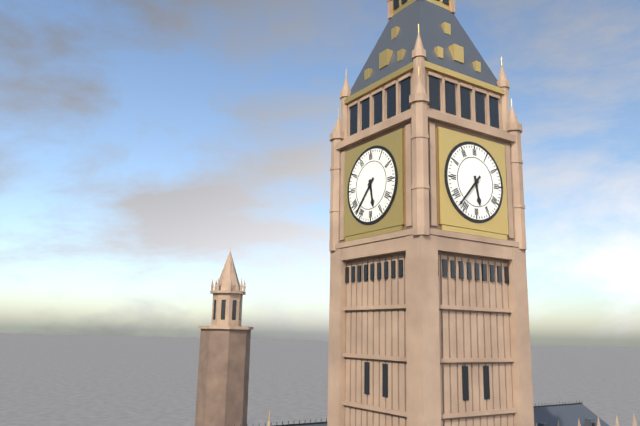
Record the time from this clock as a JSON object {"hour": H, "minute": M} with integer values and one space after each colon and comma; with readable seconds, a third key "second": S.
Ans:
{"hour": 5, "minute": 37}
